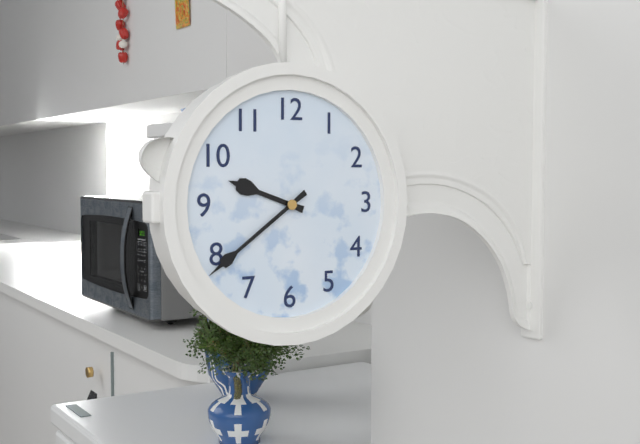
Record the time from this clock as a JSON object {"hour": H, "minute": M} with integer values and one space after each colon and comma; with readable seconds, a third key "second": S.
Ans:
{"hour": 9, "minute": 39}
